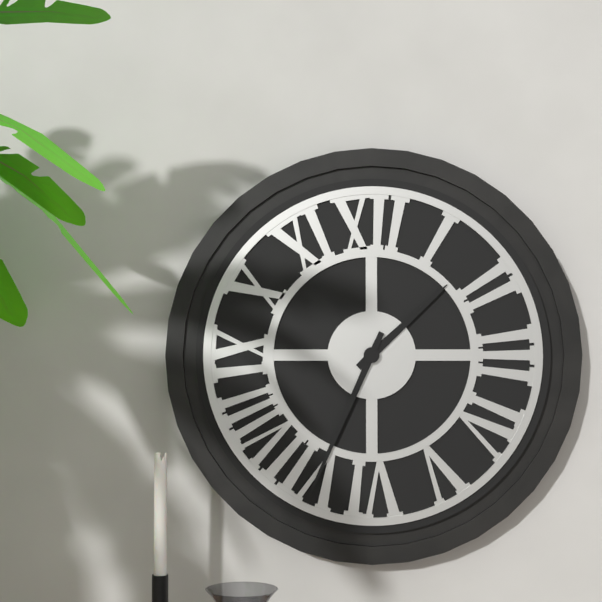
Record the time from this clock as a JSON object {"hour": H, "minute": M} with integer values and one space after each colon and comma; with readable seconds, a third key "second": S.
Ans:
{"hour": 1, "minute": 34}
